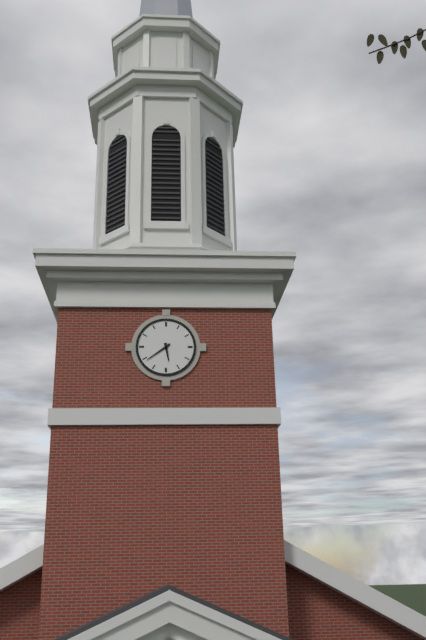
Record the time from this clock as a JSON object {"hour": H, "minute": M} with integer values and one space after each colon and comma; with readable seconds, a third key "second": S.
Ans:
{"hour": 5, "minute": 39}
